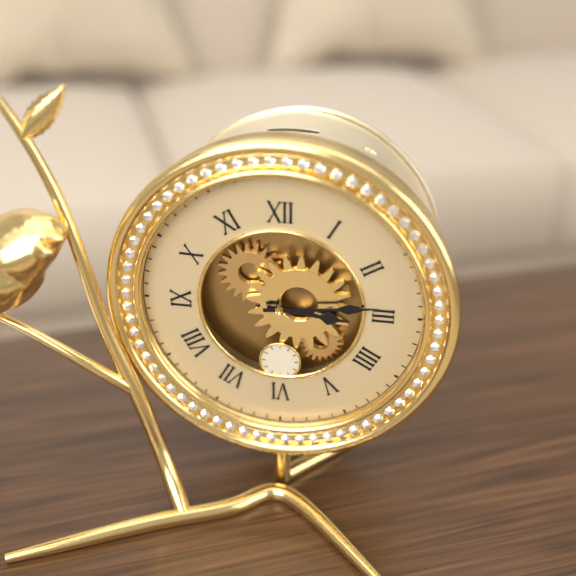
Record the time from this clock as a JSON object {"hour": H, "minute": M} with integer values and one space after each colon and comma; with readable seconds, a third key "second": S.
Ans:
{"hour": 3, "minute": 14}
